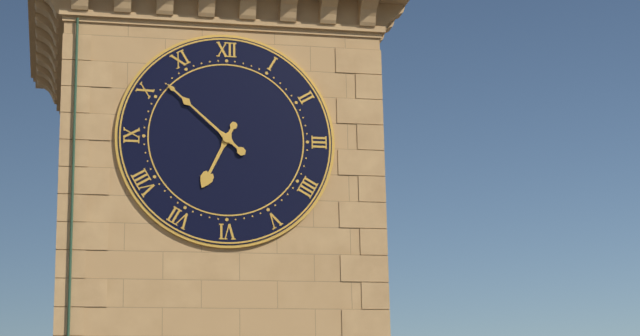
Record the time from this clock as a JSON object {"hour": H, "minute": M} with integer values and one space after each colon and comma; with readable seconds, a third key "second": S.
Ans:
{"hour": 6, "minute": 52}
